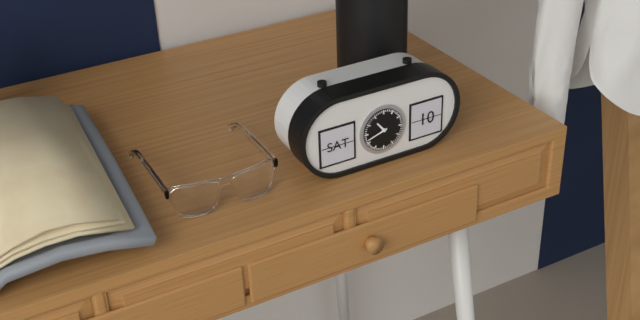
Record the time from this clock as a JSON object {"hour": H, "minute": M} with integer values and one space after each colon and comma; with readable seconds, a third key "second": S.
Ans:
{"hour": 10, "minute": 42}
